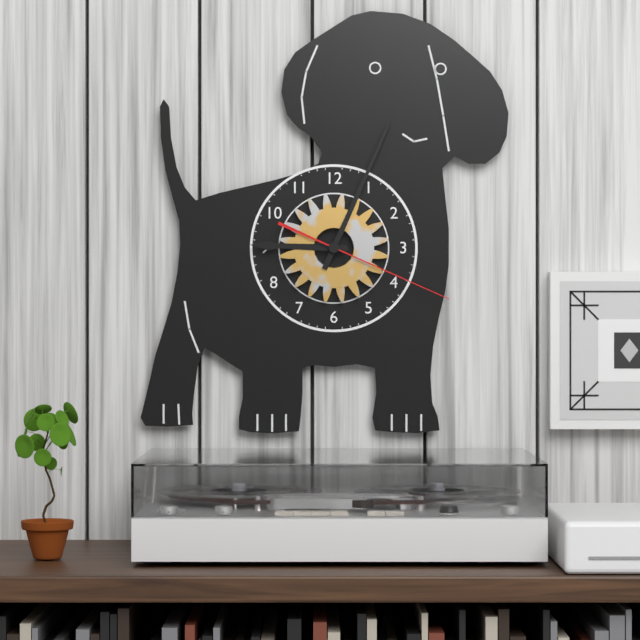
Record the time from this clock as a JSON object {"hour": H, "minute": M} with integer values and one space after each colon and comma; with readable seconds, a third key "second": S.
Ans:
{"hour": 9, "minute": 4, "second": 19}
